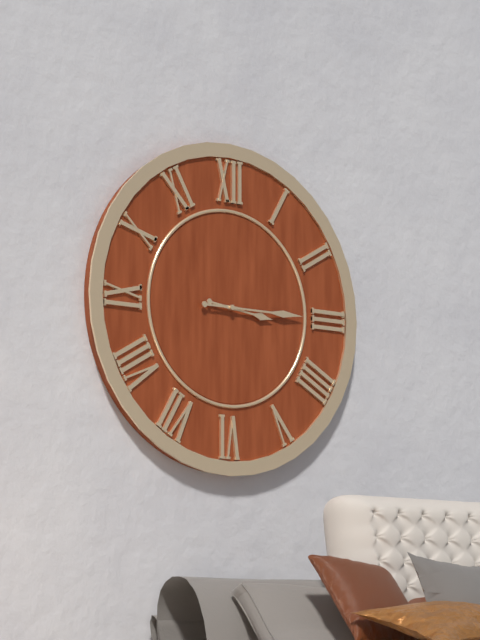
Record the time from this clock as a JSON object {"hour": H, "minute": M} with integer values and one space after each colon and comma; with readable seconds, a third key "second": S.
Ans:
{"hour": 3, "minute": 15}
